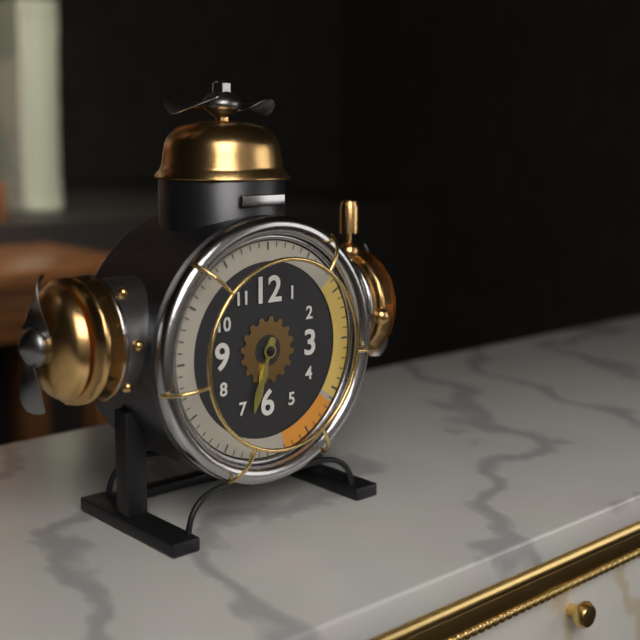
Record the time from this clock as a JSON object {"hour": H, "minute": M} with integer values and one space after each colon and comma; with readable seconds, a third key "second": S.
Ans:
{"hour": 6, "minute": 33}
